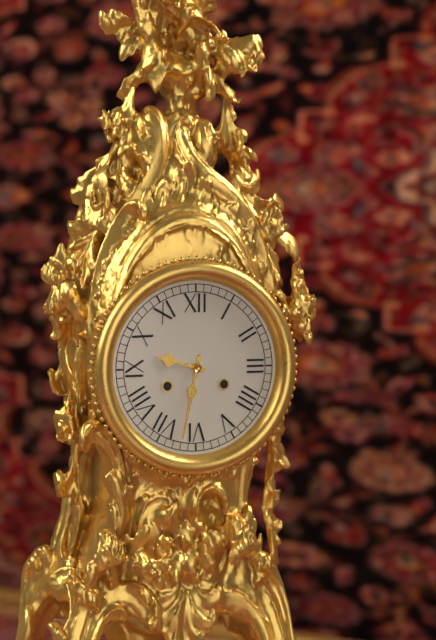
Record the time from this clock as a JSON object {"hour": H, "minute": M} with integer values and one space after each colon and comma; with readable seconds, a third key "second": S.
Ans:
{"hour": 9, "minute": 32}
